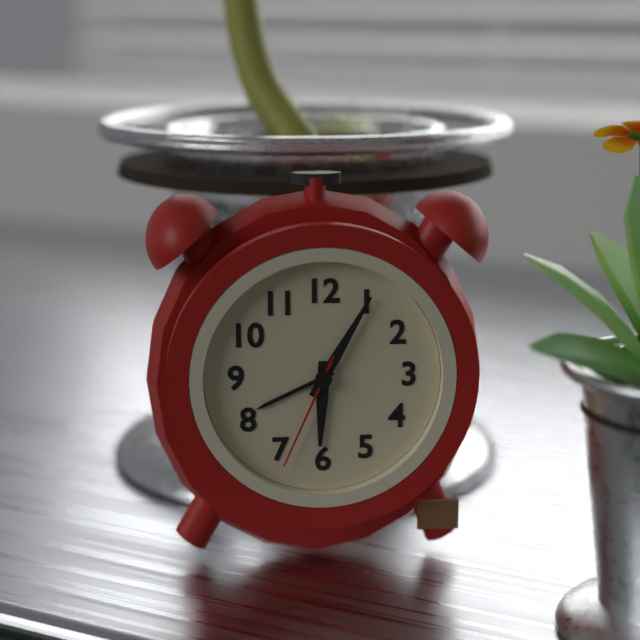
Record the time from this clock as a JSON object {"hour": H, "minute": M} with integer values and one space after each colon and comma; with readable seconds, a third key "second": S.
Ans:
{"hour": 6, "minute": 5, "second": 34}
